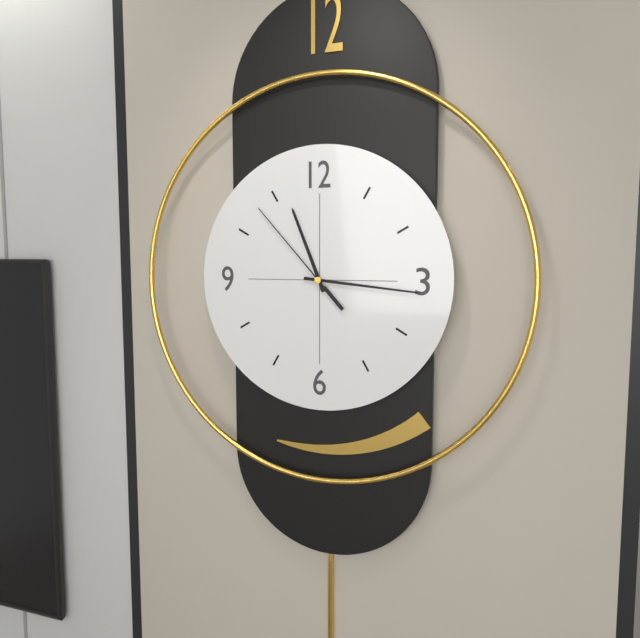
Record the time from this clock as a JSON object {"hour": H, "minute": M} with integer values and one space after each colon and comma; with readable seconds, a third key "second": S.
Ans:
{"hour": 11, "minute": 16, "second": 53}
